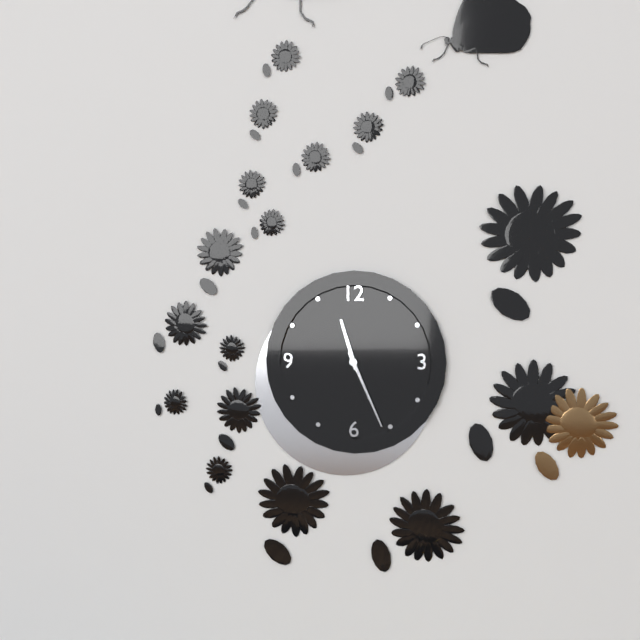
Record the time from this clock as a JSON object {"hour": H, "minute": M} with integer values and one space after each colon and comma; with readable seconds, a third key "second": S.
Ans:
{"hour": 11, "minute": 26}
